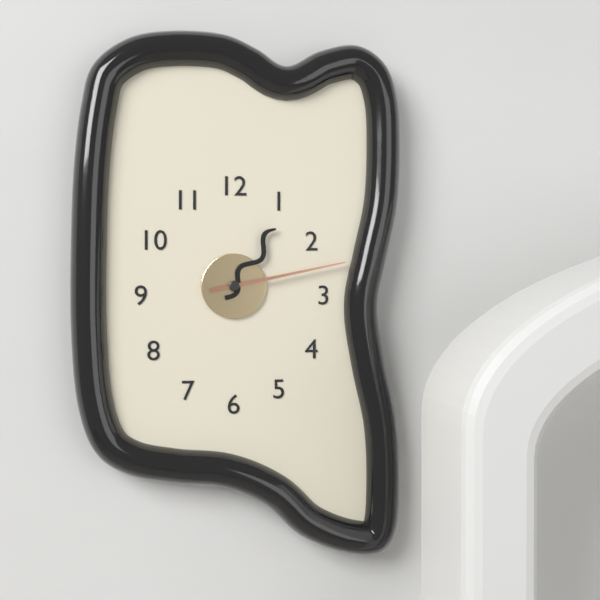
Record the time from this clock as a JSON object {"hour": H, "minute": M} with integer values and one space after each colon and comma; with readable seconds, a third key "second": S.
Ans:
{"hour": 1, "minute": 13}
